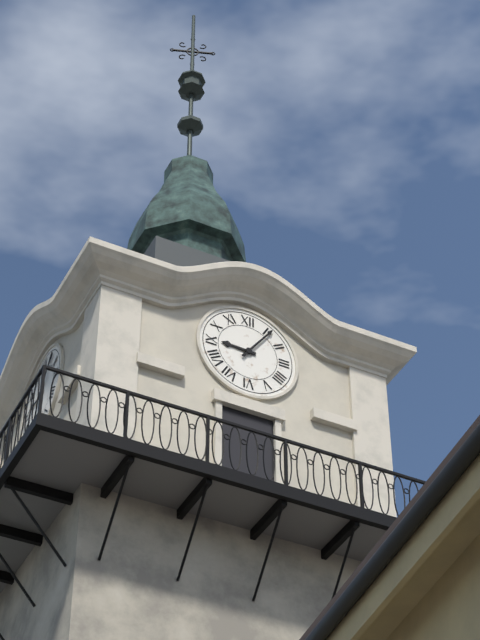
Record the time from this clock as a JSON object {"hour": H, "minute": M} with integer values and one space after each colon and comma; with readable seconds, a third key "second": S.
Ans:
{"hour": 9, "minute": 6}
